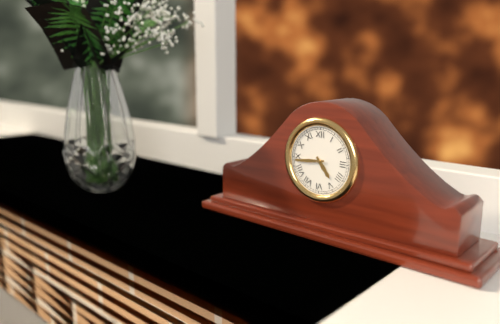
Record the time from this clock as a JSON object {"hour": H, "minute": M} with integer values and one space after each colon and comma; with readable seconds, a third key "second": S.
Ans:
{"hour": 4, "minute": 44}
